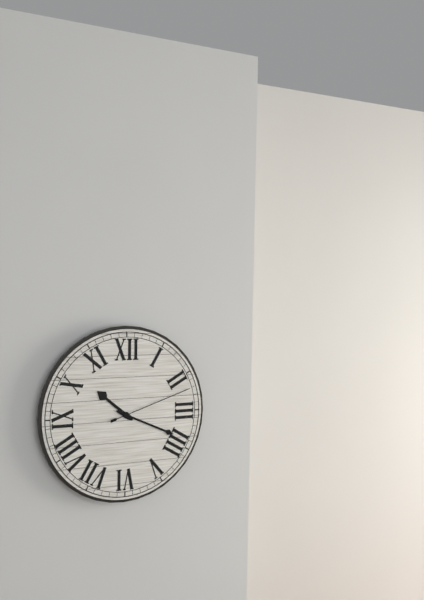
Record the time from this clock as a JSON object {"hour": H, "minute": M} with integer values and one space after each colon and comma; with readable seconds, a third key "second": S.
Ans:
{"hour": 10, "minute": 19, "second": 12}
